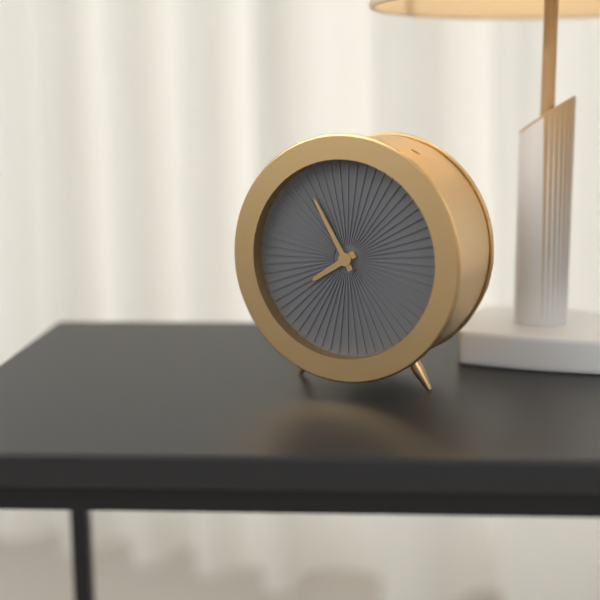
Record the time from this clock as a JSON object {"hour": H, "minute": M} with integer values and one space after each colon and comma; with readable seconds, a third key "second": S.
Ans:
{"hour": 7, "minute": 55}
